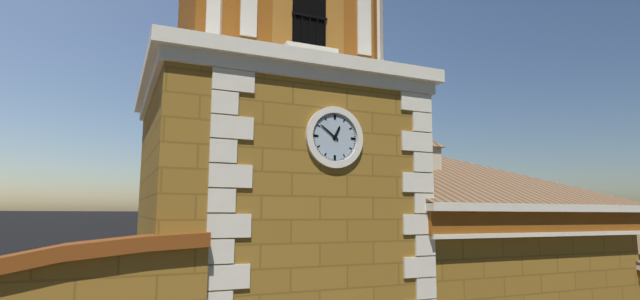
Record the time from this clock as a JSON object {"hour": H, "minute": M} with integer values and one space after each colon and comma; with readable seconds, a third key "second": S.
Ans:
{"hour": 12, "minute": 51}
